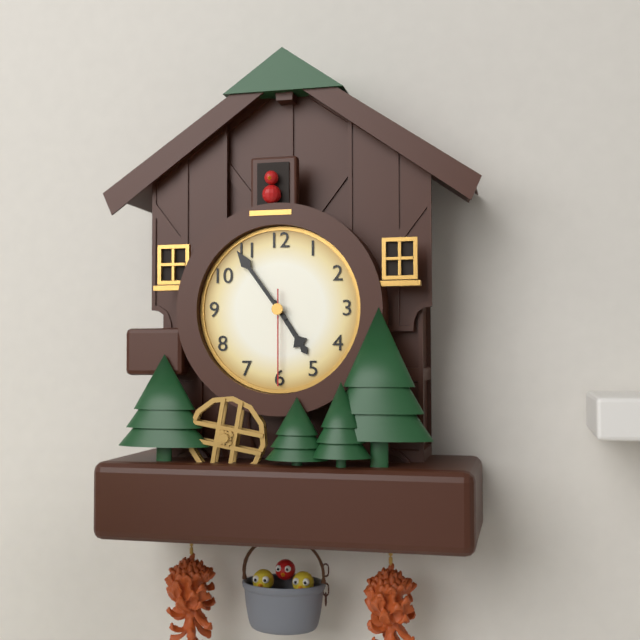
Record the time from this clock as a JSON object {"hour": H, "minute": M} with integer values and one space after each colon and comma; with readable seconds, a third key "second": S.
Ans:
{"hour": 4, "minute": 54, "second": 30}
